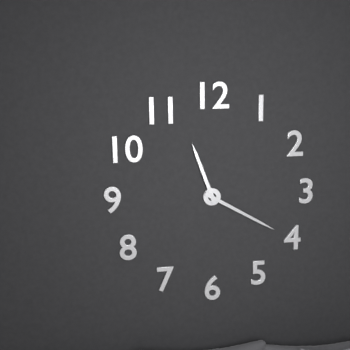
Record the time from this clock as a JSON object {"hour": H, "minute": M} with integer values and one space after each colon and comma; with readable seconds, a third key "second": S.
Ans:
{"hour": 11, "minute": 20}
